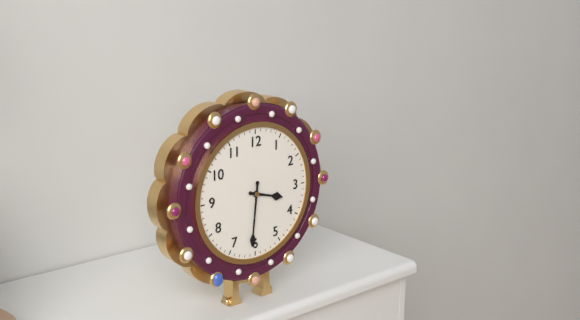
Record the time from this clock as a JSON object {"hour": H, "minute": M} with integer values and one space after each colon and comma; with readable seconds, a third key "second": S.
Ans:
{"hour": 3, "minute": 31}
